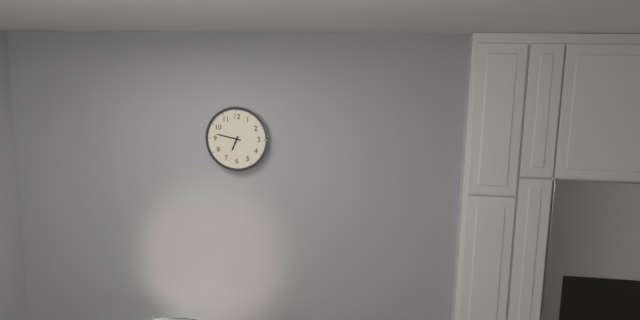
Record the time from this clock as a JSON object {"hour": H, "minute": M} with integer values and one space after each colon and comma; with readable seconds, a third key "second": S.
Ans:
{"hour": 6, "minute": 47}
